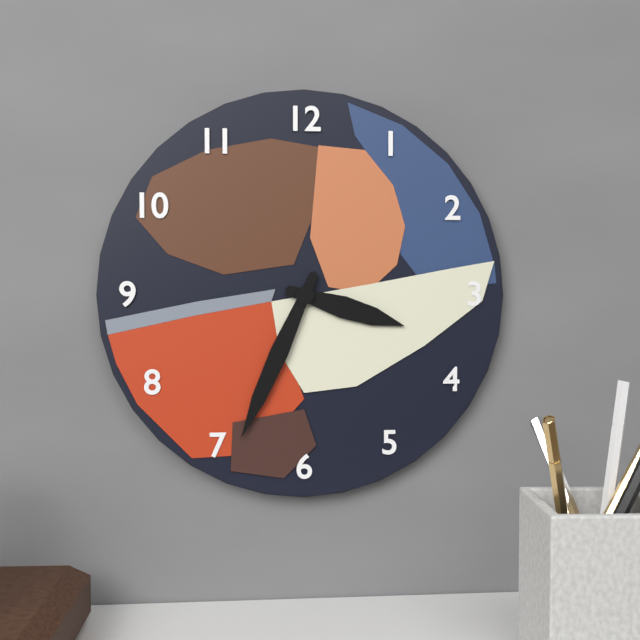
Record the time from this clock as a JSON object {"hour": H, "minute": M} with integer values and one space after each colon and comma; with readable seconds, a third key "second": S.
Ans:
{"hour": 3, "minute": 34}
